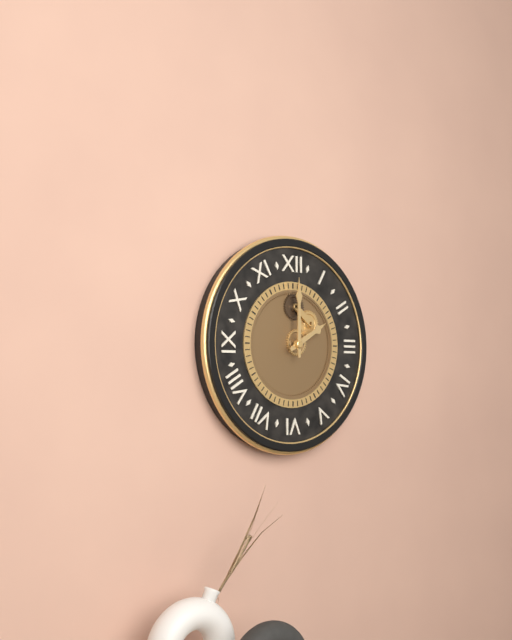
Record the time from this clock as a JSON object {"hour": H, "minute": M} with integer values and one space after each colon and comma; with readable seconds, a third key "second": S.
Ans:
{"hour": 2, "minute": 0}
